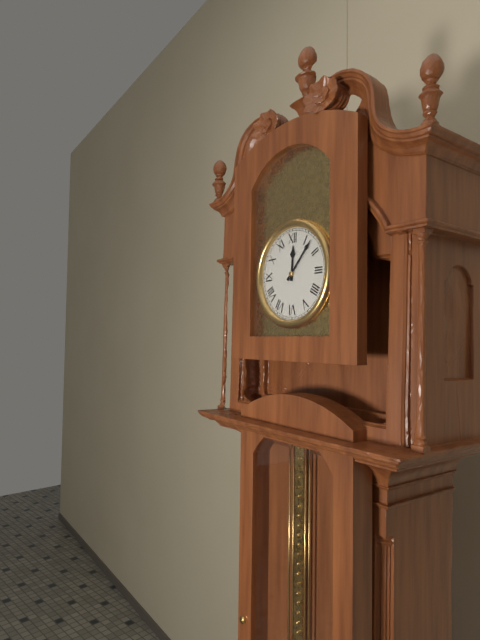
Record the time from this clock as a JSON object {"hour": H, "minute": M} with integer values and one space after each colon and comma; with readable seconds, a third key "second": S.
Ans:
{"hour": 12, "minute": 7}
